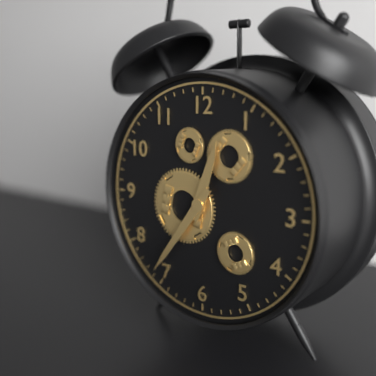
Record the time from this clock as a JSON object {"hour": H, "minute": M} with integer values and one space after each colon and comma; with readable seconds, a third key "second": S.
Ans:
{"hour": 12, "minute": 36}
